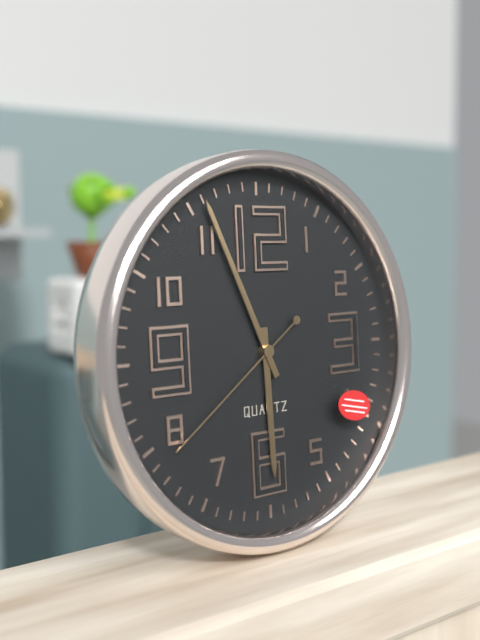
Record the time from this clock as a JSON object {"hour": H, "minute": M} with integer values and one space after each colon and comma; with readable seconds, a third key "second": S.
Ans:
{"hour": 5, "minute": 56, "second": 39}
